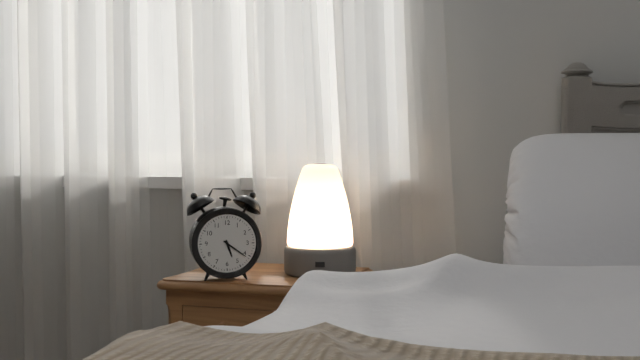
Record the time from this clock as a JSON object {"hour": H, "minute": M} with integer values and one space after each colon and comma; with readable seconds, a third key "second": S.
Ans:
{"hour": 5, "minute": 21}
